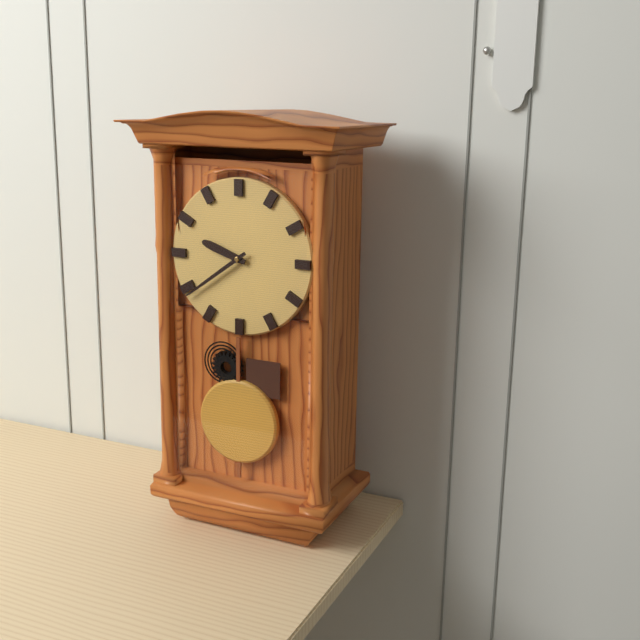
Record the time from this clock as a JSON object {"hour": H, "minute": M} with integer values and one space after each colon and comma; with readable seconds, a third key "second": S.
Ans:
{"hour": 9, "minute": 39}
